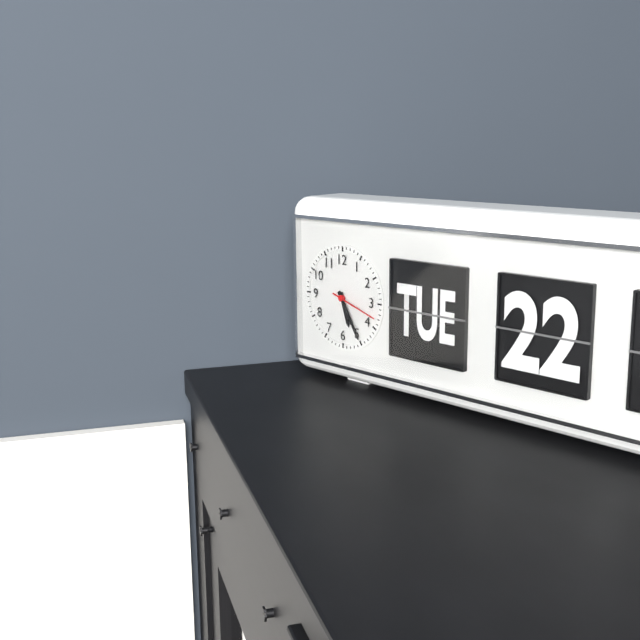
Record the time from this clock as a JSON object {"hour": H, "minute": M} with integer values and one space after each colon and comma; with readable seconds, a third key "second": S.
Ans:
{"hour": 5, "minute": 25}
